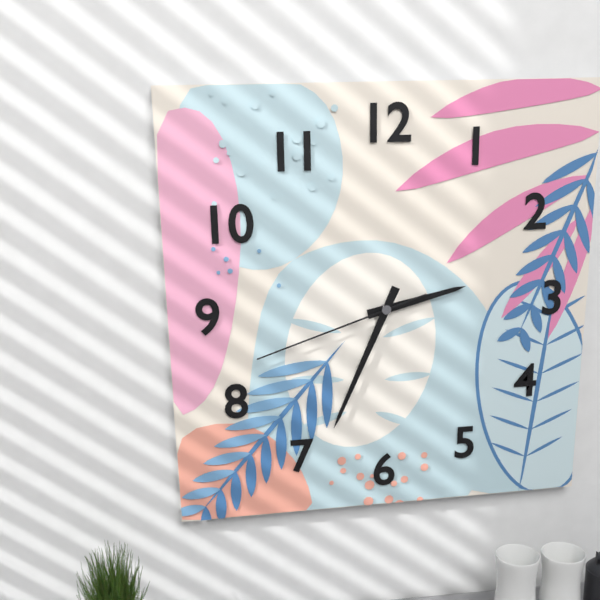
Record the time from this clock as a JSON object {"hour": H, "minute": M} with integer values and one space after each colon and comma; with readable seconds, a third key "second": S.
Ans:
{"hour": 2, "minute": 34, "second": 42}
